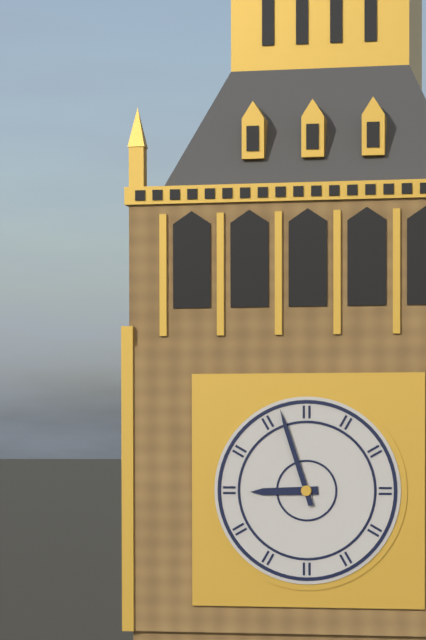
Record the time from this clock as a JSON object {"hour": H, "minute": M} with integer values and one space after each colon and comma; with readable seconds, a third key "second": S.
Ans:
{"hour": 8, "minute": 57}
